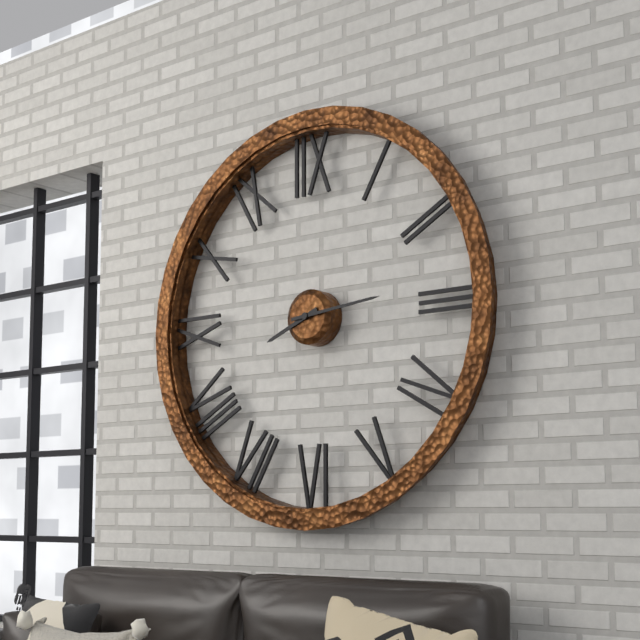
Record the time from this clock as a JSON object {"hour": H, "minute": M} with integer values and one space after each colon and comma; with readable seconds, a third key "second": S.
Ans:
{"hour": 8, "minute": 14}
